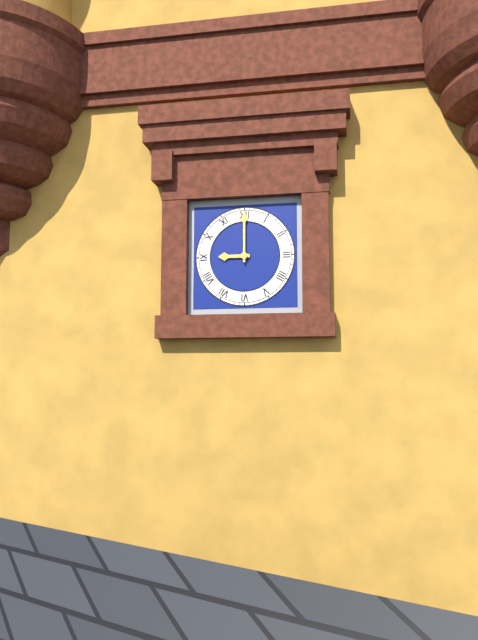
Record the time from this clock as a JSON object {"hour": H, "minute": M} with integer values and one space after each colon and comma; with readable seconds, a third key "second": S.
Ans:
{"hour": 9, "minute": 0}
